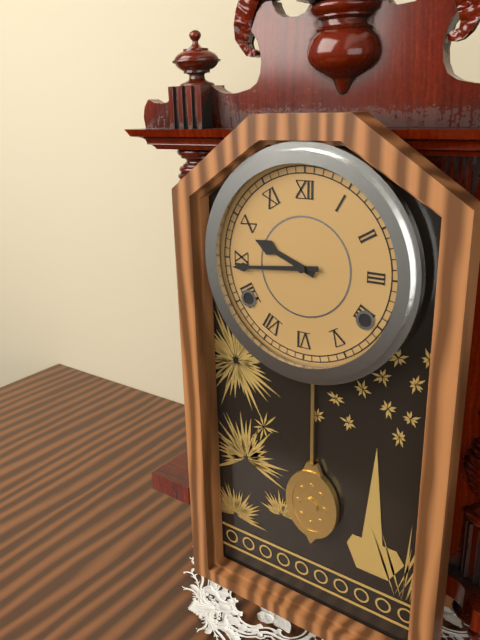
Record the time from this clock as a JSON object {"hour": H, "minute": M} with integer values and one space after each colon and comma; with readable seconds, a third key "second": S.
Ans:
{"hour": 9, "minute": 44}
